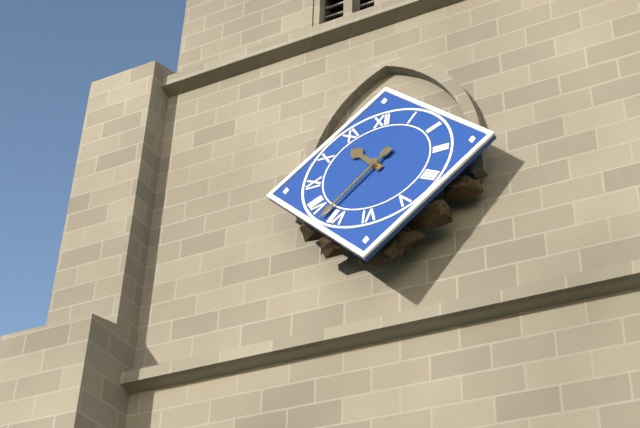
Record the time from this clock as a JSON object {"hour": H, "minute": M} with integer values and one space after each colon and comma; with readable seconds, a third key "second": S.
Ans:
{"hour": 10, "minute": 37}
